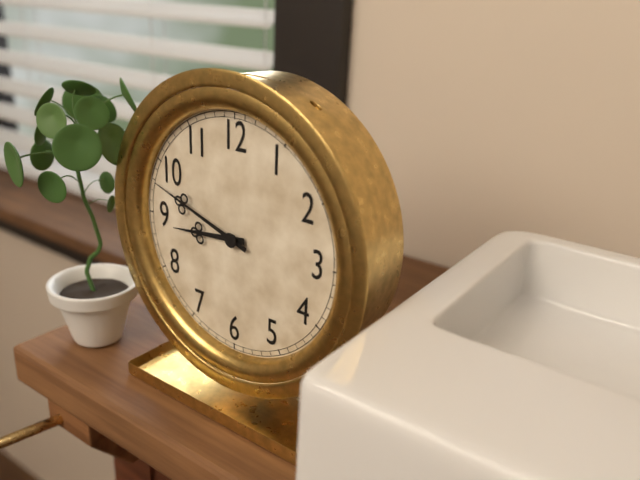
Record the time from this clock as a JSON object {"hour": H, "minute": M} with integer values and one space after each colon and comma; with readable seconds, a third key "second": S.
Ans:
{"hour": 8, "minute": 48}
